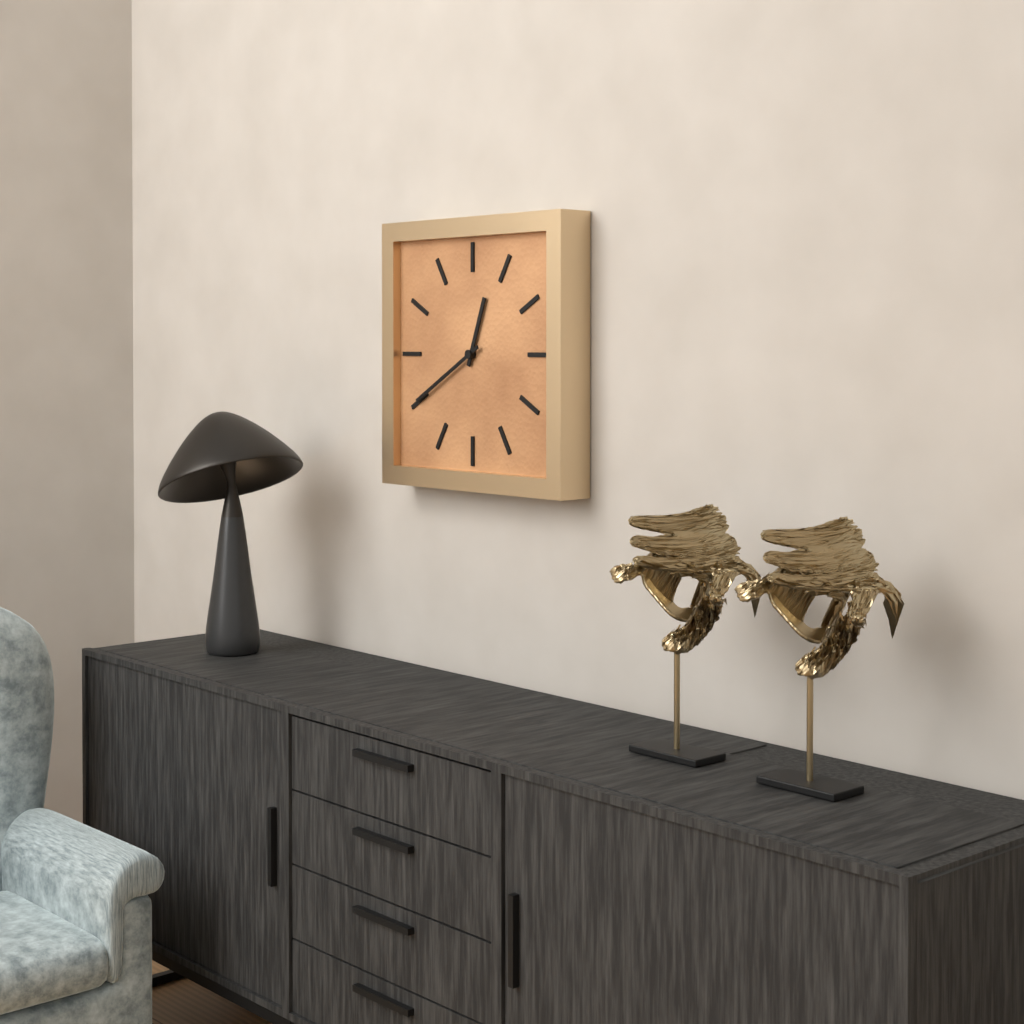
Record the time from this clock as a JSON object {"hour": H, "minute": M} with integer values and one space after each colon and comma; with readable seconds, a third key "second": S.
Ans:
{"hour": 12, "minute": 40}
